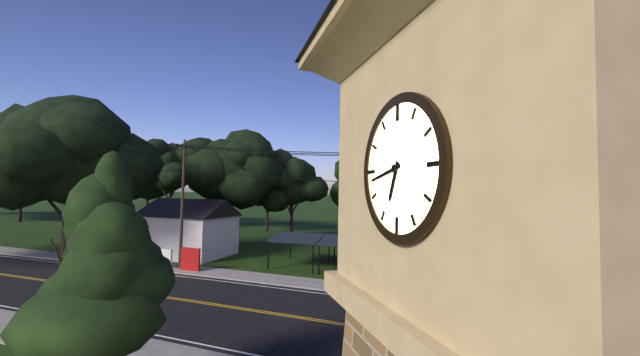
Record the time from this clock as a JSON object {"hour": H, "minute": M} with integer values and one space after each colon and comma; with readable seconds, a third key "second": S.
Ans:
{"hour": 6, "minute": 43}
